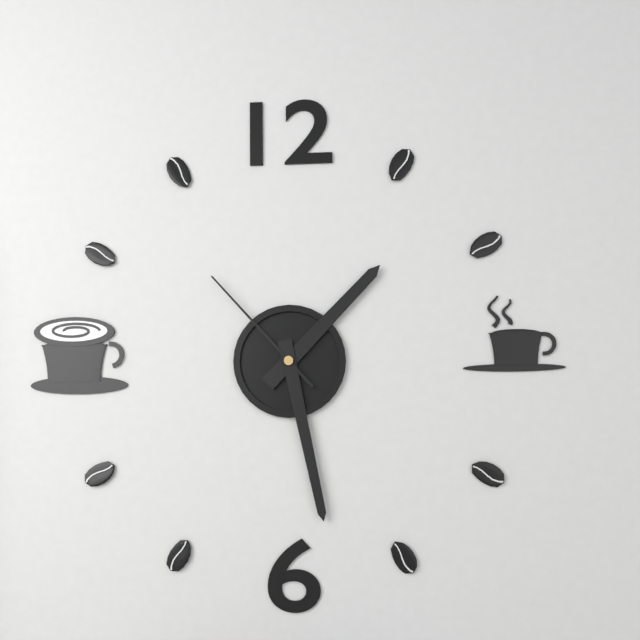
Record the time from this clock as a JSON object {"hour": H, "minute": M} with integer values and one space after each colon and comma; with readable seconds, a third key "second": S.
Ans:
{"hour": 1, "minute": 28, "second": 53}
